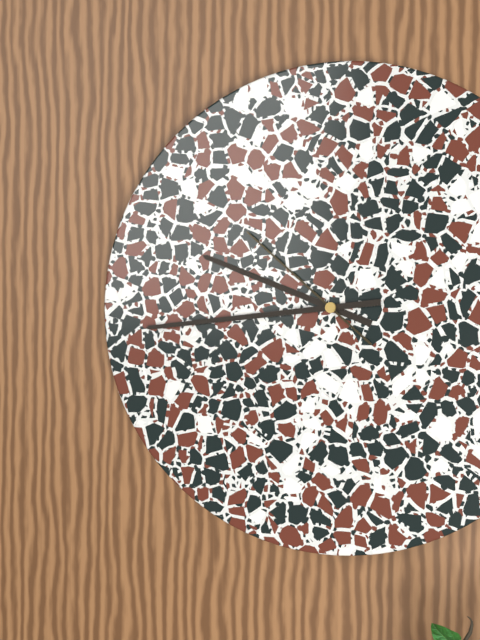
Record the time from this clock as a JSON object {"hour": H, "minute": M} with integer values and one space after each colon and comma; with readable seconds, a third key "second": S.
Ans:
{"hour": 9, "minute": 44, "second": 52}
